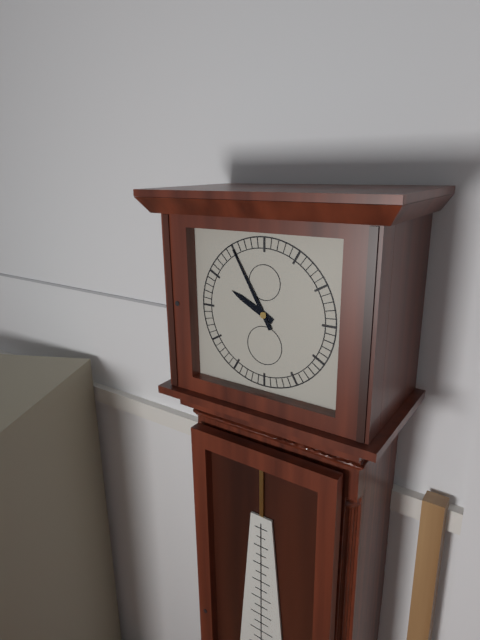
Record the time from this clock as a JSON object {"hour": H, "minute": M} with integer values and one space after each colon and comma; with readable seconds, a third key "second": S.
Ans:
{"hour": 9, "minute": 55}
